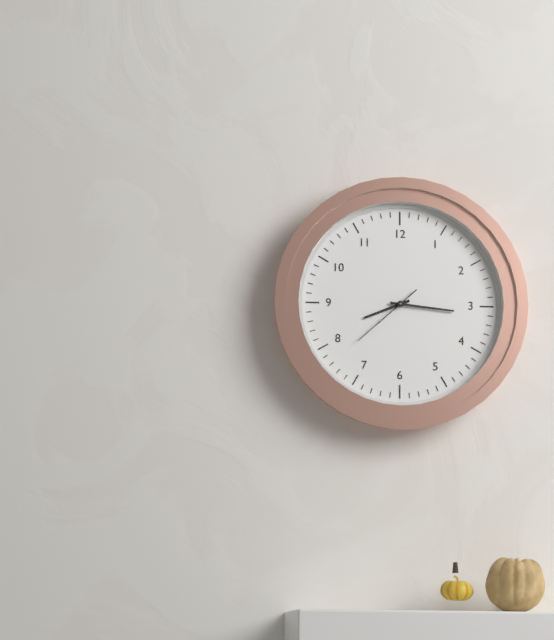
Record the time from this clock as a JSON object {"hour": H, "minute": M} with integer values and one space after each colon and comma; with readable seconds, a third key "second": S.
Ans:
{"hour": 8, "minute": 16, "second": 38}
